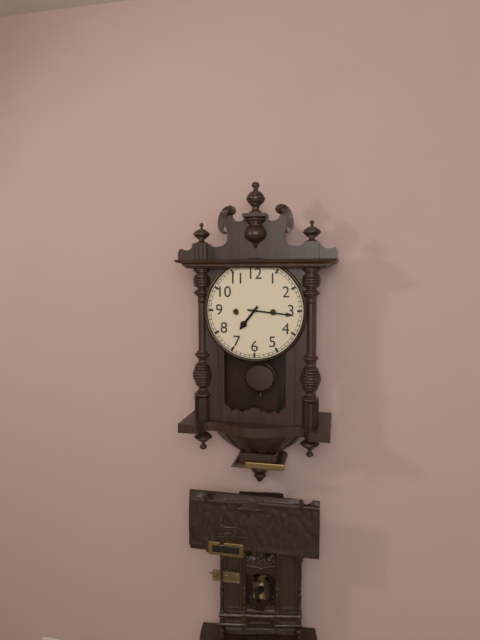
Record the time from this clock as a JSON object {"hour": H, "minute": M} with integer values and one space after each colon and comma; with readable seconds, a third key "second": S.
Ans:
{"hour": 7, "minute": 16}
